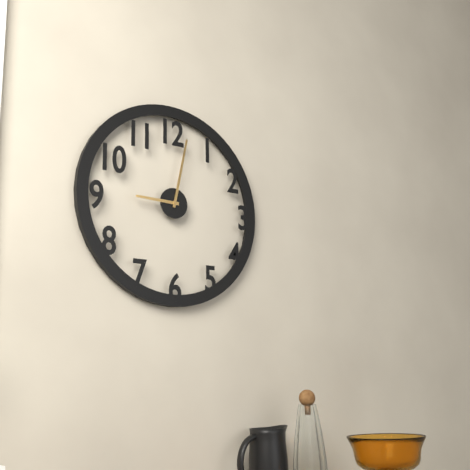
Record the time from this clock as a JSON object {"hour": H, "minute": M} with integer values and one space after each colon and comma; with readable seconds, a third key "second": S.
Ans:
{"hour": 9, "minute": 2}
